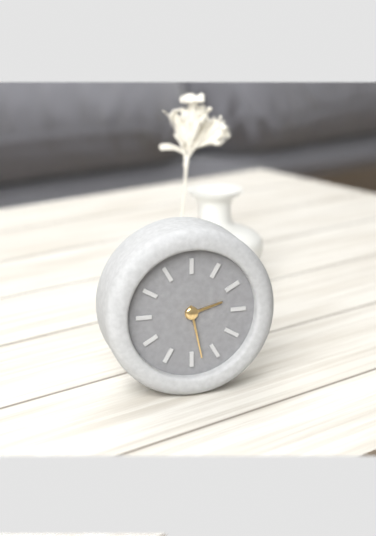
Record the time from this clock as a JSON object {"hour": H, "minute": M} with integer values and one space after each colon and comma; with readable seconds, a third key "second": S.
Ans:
{"hour": 2, "minute": 28}
